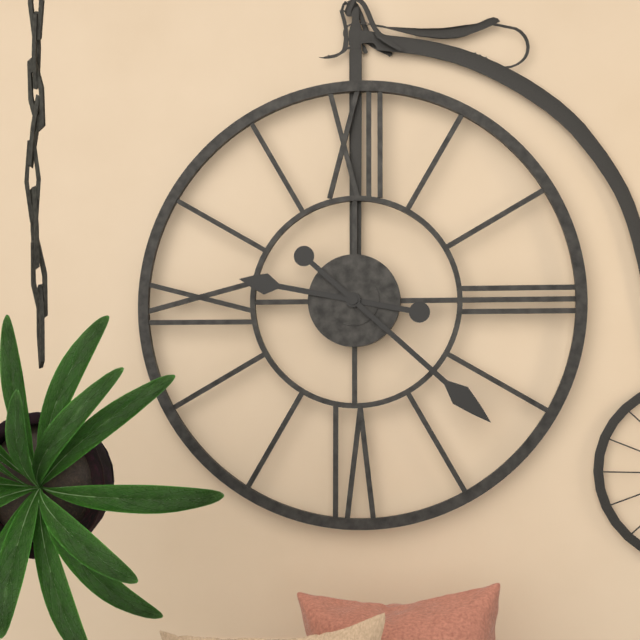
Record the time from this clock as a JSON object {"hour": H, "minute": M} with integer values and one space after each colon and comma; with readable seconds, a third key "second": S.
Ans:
{"hour": 9, "minute": 22}
